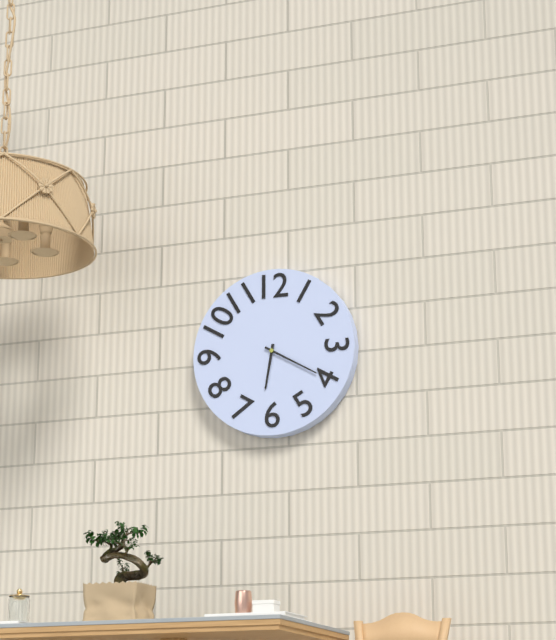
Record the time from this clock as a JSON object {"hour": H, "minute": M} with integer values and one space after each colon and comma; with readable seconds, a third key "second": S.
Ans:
{"hour": 6, "minute": 20}
